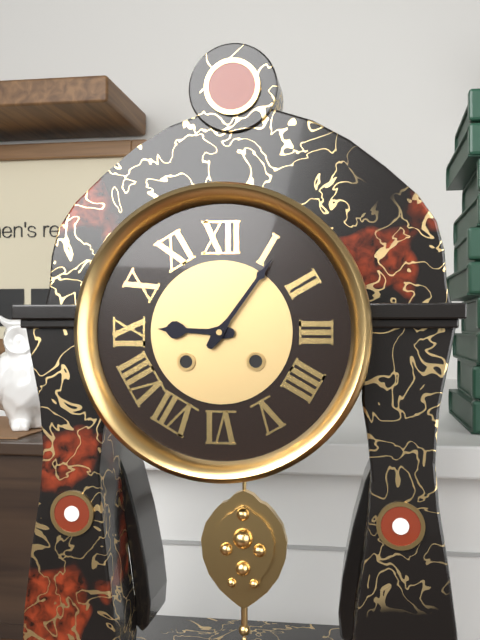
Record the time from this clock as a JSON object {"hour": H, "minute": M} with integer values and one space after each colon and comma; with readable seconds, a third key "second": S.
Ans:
{"hour": 9, "minute": 6}
